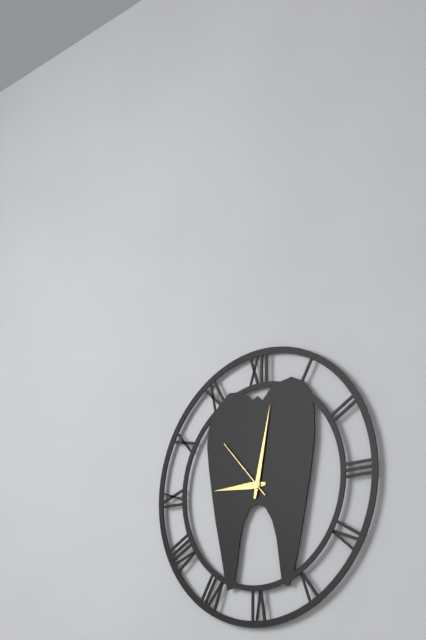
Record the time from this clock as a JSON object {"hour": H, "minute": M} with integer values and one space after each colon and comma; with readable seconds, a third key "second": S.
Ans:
{"hour": 9, "minute": 2, "second": 53}
